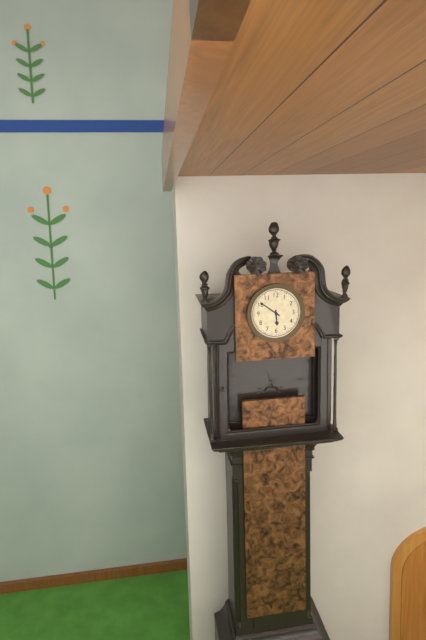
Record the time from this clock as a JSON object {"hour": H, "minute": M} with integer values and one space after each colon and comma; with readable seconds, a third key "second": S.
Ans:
{"hour": 5, "minute": 51}
